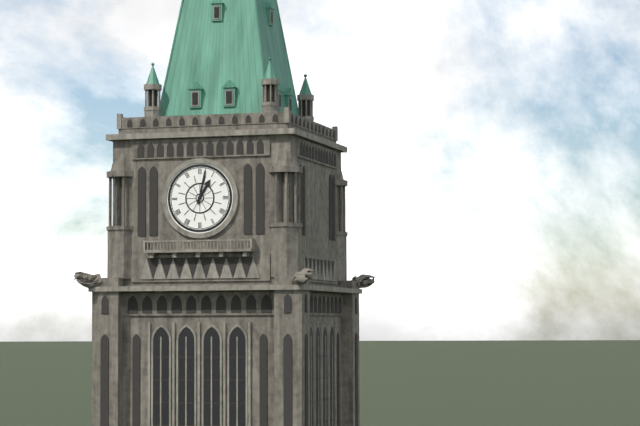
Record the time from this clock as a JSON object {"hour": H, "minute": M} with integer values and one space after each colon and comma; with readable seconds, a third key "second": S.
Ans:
{"hour": 1, "minute": 2}
